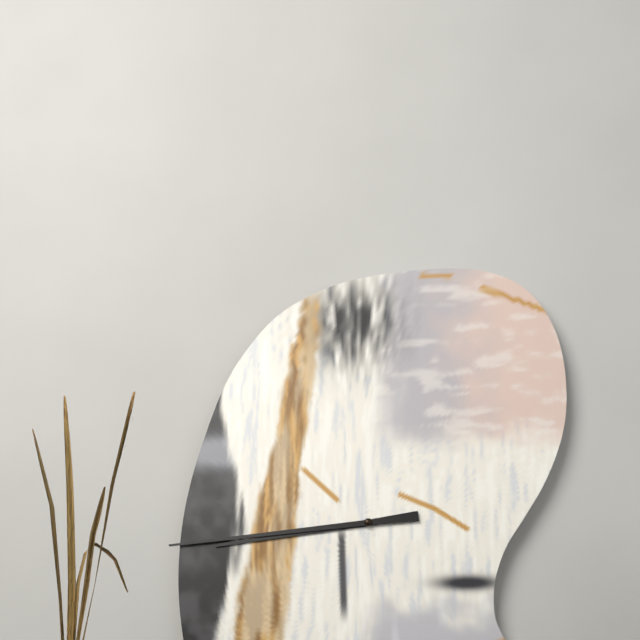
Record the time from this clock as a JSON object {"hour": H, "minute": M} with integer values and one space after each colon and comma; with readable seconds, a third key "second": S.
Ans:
{"hour": 8, "minute": 44}
